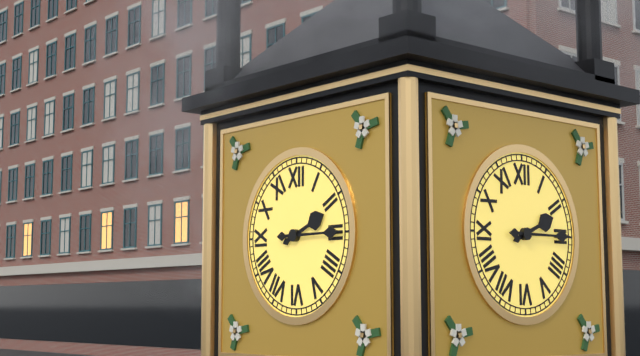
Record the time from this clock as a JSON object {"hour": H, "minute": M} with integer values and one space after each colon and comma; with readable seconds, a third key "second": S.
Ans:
{"hour": 2, "minute": 15}
